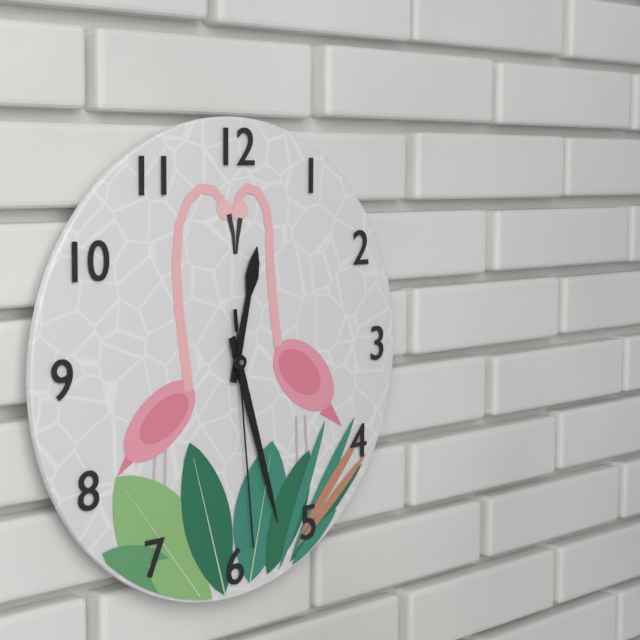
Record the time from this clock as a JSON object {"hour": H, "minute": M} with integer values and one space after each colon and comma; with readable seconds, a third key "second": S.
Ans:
{"hour": 12, "minute": 27, "second": 29}
